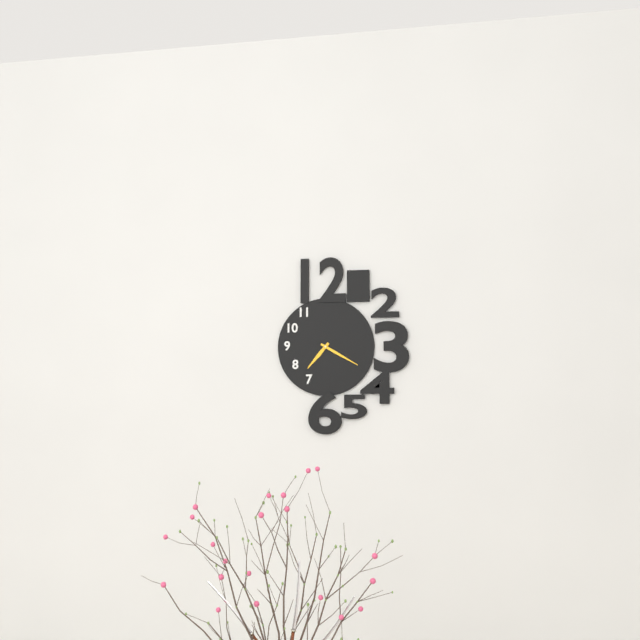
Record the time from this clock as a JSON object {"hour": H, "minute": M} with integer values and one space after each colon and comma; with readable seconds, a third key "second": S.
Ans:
{"hour": 7, "minute": 20}
